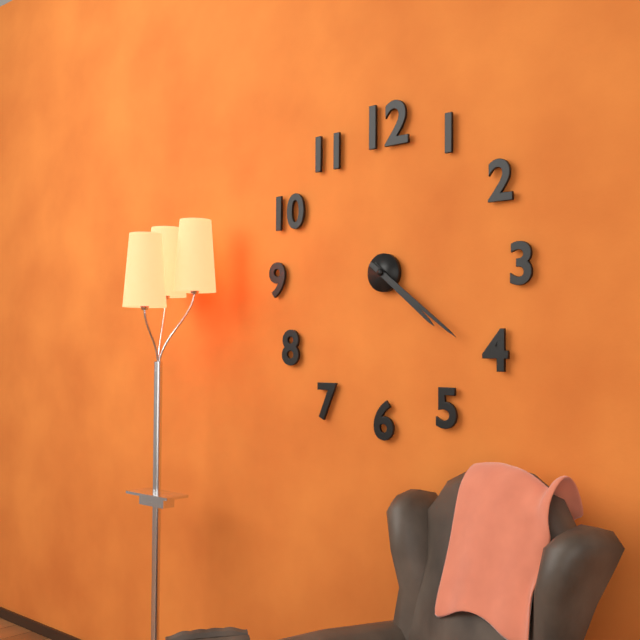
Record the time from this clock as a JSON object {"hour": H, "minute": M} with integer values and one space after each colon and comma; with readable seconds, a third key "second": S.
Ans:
{"hour": 4, "minute": 21}
